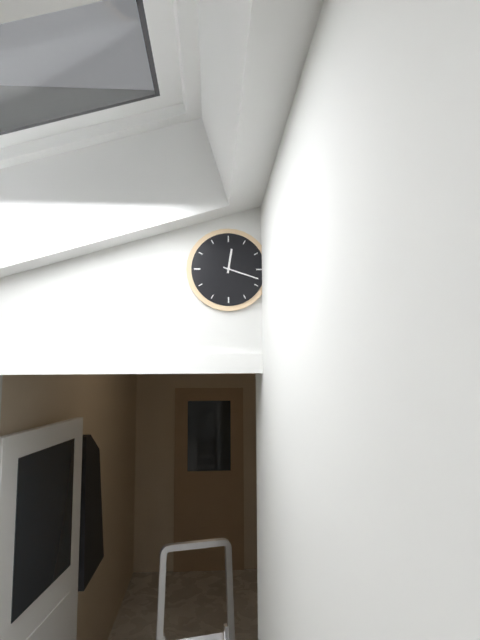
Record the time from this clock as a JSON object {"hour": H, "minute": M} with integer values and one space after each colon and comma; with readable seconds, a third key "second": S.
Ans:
{"hour": 12, "minute": 18}
